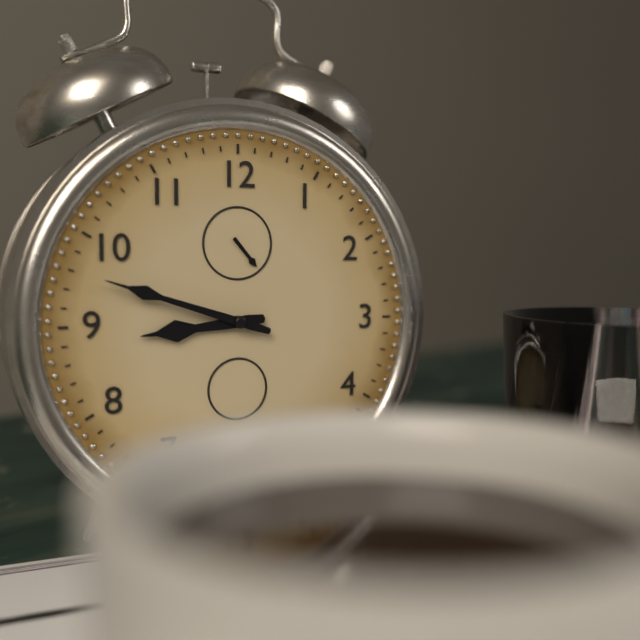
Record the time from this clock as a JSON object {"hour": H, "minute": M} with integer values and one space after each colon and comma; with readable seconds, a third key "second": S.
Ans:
{"hour": 8, "minute": 48}
